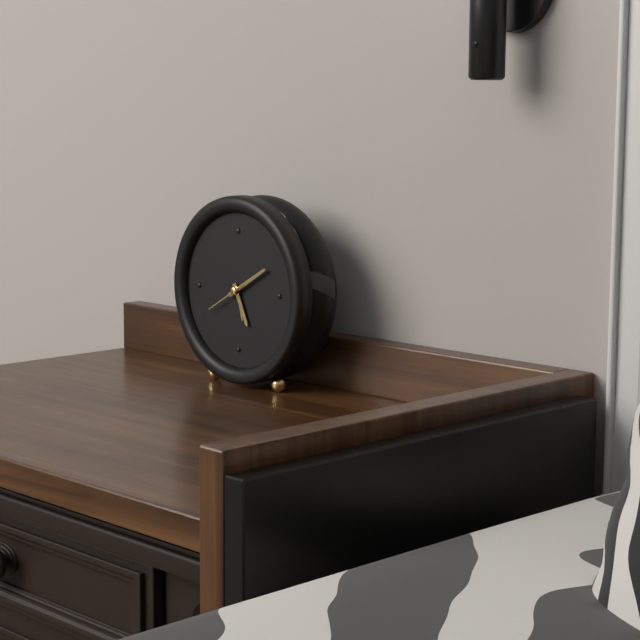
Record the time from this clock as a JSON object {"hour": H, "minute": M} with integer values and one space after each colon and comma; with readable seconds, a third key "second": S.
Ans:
{"hour": 5, "minute": 10}
